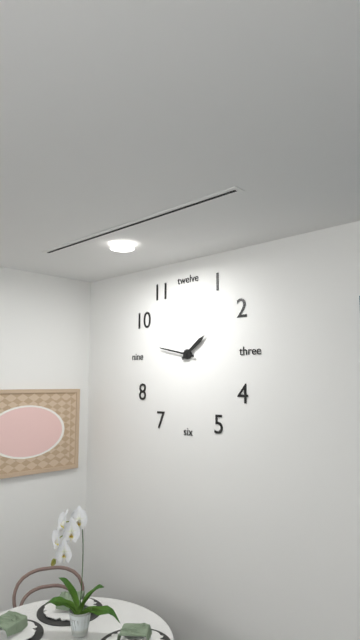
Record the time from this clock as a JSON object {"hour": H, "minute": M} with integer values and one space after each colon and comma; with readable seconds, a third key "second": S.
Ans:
{"hour": 1, "minute": 47}
